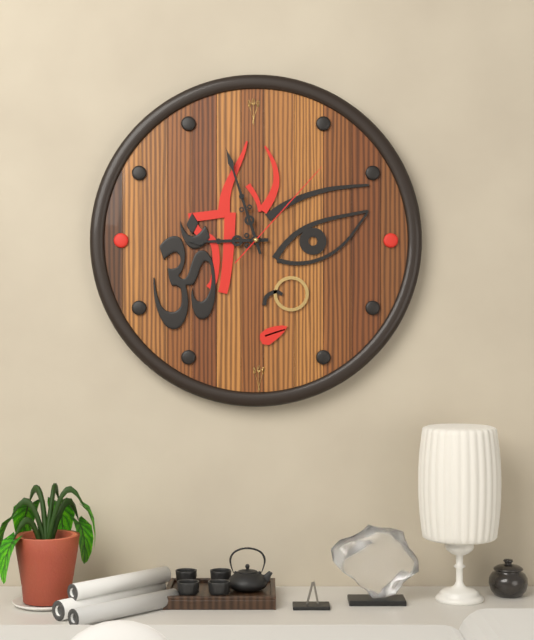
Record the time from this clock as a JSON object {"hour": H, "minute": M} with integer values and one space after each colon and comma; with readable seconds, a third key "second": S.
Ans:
{"hour": 8, "minute": 57, "second": 7}
